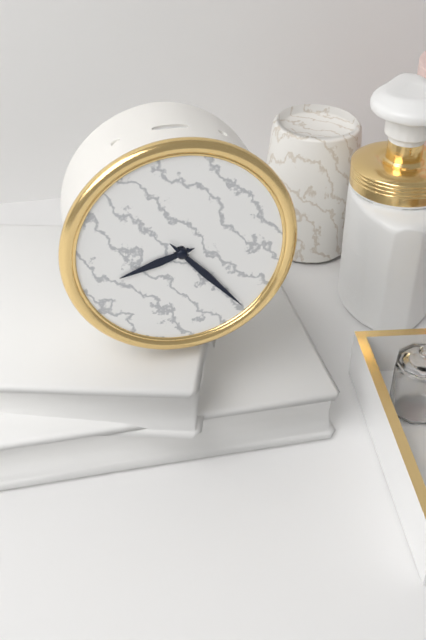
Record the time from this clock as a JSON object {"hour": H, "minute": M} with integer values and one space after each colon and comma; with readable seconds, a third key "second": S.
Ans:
{"hour": 8, "minute": 23}
